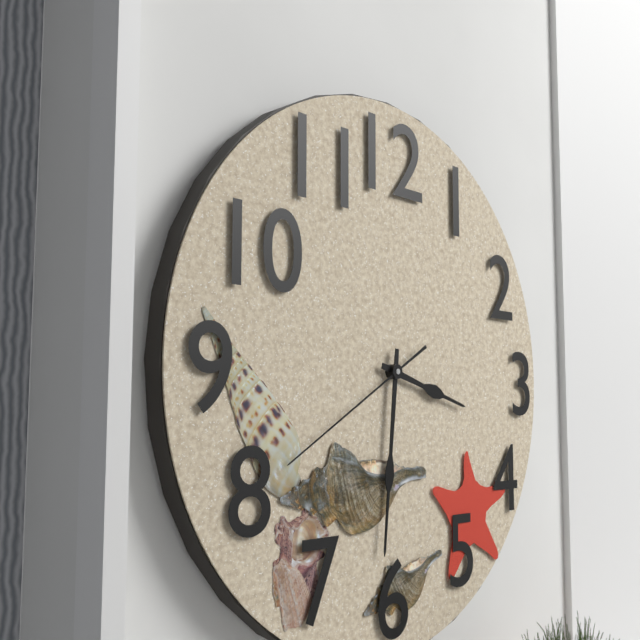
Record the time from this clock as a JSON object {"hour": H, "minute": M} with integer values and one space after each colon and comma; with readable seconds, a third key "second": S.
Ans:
{"hour": 3, "minute": 31, "second": 40}
